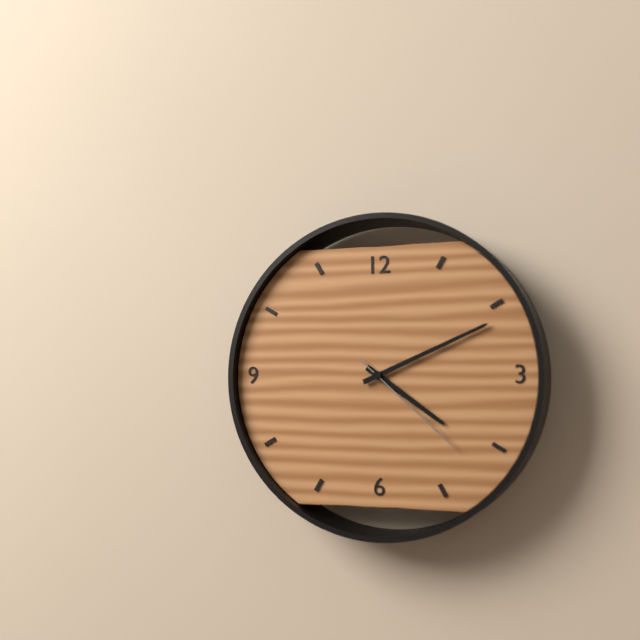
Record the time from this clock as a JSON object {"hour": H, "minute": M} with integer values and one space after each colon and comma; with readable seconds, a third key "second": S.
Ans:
{"hour": 4, "minute": 11, "second": 22}
